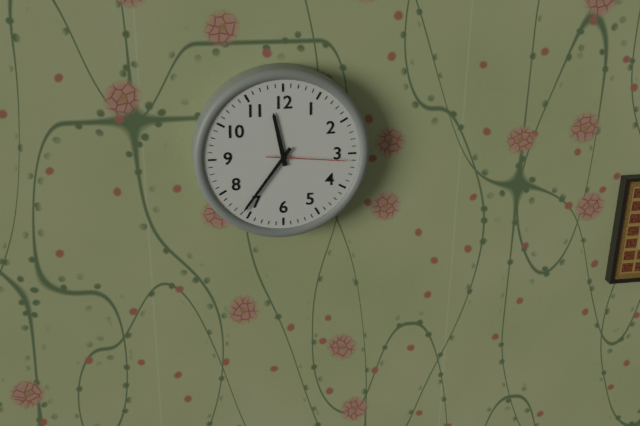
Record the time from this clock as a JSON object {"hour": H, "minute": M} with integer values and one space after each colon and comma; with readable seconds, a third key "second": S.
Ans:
{"hour": 11, "minute": 36, "second": 16}
